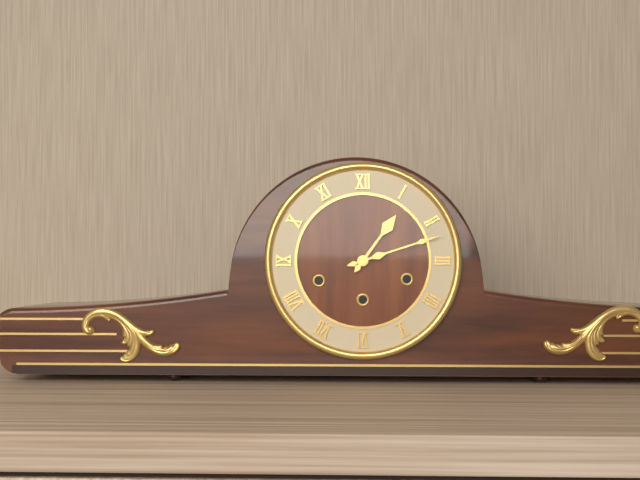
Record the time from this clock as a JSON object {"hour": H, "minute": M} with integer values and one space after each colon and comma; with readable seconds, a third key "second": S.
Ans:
{"hour": 1, "minute": 12}
